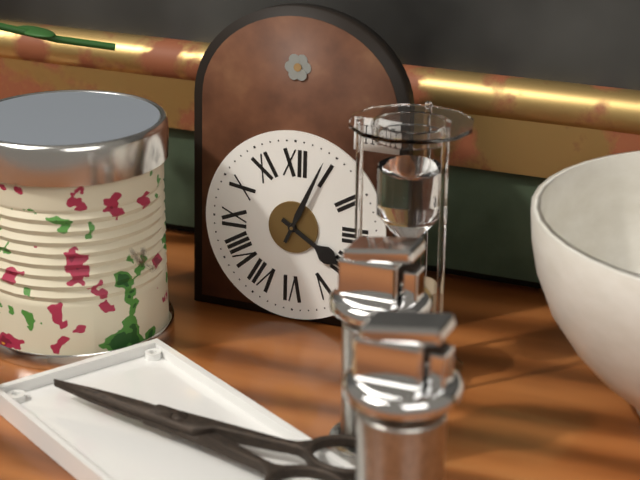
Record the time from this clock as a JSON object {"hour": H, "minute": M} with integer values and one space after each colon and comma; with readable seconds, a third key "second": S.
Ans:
{"hour": 4, "minute": 4}
